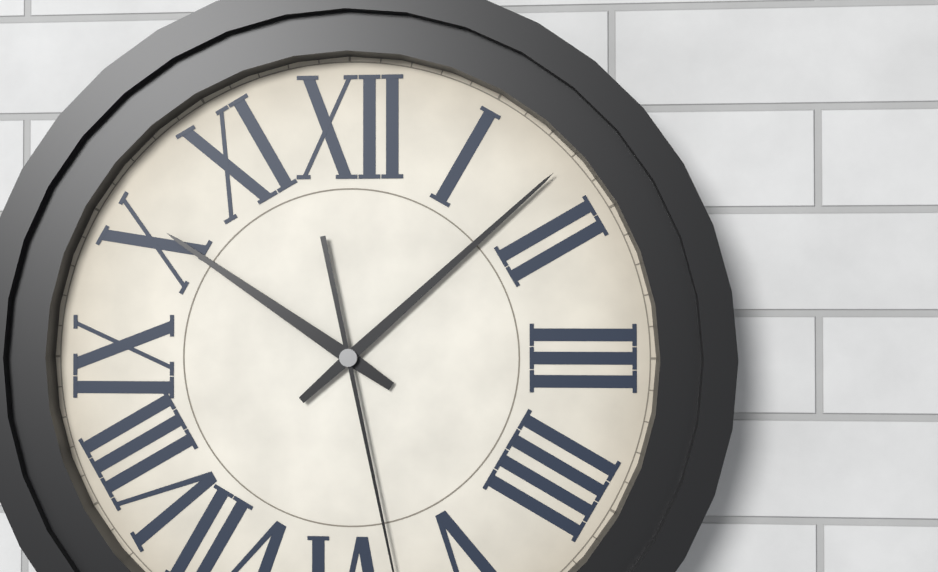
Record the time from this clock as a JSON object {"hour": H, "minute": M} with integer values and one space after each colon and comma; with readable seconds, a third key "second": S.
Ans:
{"hour": 10, "minute": 8}
